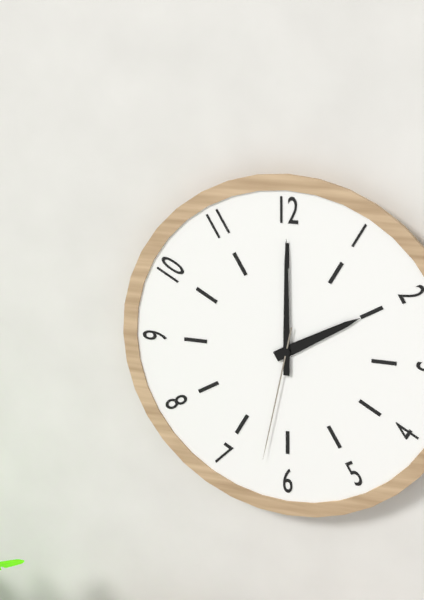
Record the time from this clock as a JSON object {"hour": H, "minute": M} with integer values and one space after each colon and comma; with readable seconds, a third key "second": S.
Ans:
{"hour": 2, "minute": 0, "second": 32}
